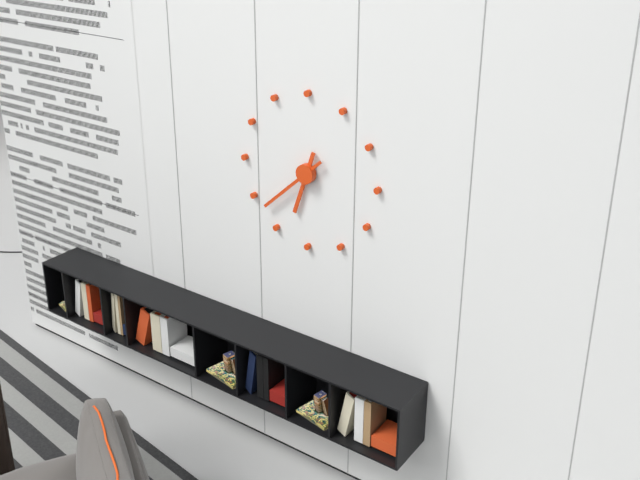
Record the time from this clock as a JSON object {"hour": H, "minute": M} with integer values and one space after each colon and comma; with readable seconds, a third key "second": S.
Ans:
{"hour": 6, "minute": 38}
